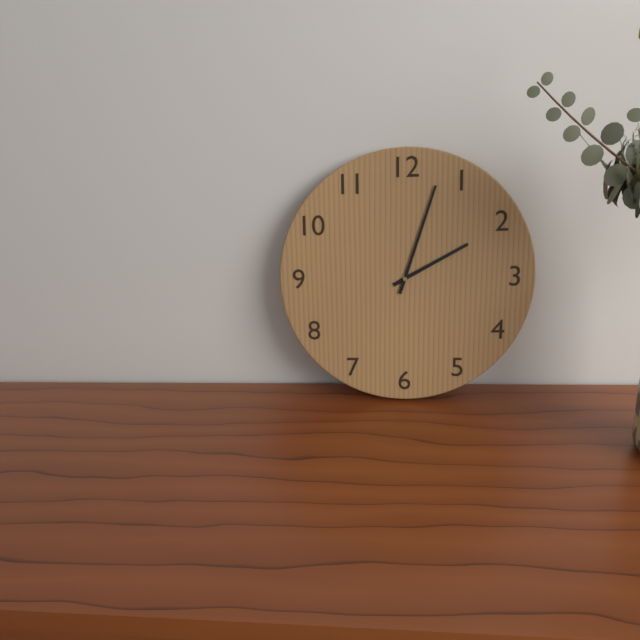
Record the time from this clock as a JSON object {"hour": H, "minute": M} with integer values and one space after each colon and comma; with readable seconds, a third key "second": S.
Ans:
{"hour": 2, "minute": 3}
